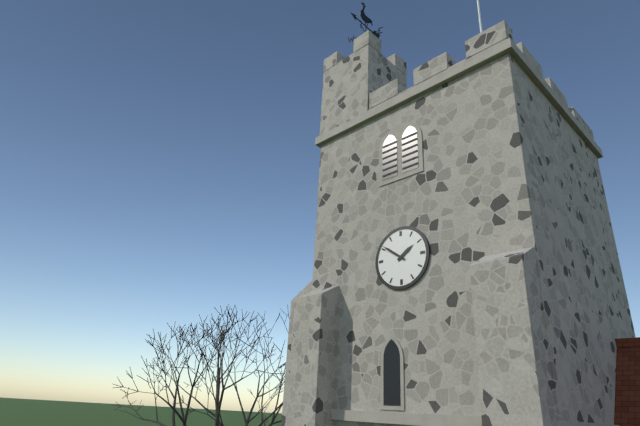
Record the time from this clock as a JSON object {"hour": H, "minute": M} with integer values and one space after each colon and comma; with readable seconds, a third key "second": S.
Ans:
{"hour": 1, "minute": 51}
